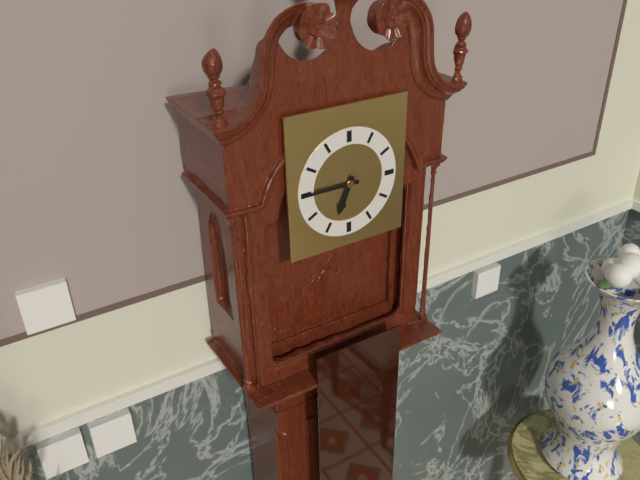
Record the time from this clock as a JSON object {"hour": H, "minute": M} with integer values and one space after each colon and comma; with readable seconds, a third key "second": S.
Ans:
{"hour": 6, "minute": 45}
